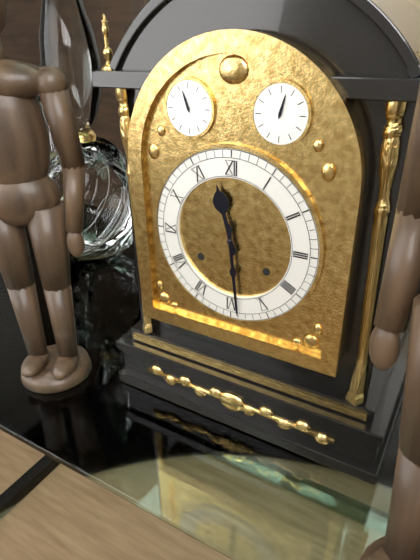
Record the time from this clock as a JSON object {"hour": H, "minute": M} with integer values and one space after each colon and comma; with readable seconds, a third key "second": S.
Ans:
{"hour": 11, "minute": 29}
